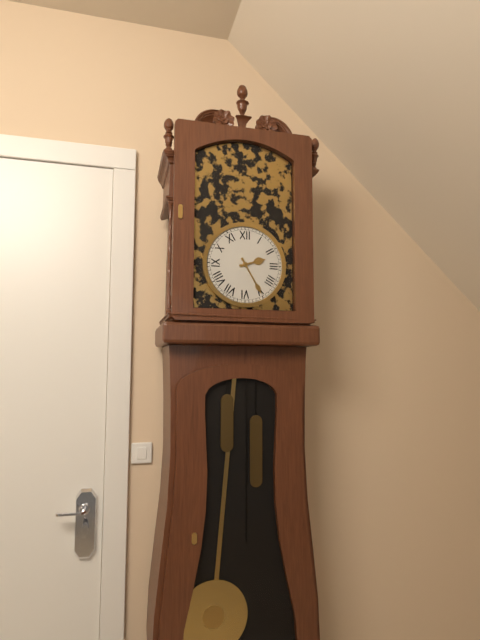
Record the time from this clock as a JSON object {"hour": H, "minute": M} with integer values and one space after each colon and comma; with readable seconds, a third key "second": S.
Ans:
{"hour": 2, "minute": 25}
